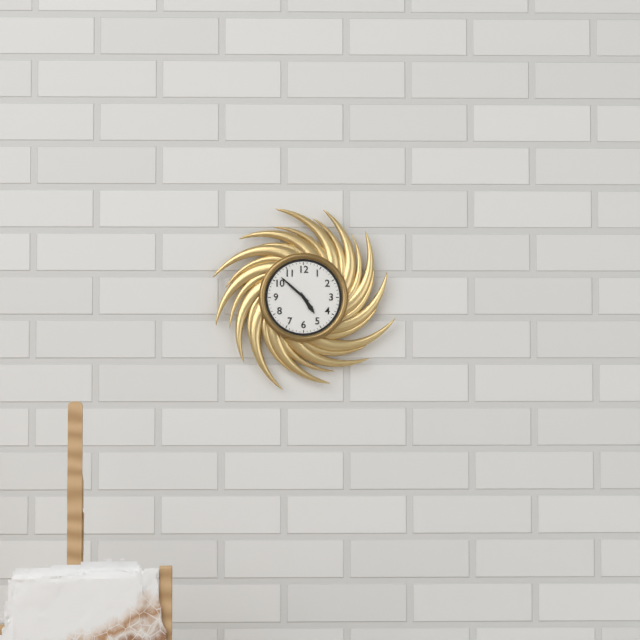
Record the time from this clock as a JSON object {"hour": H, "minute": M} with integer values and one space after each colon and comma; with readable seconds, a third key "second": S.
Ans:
{"hour": 4, "minute": 52}
